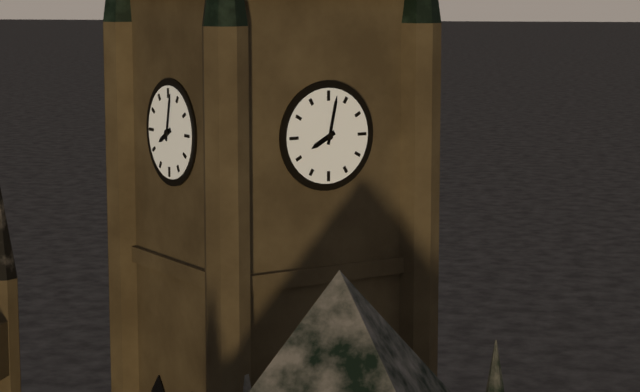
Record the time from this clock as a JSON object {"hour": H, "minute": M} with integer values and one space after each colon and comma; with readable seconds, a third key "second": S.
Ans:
{"hour": 8, "minute": 2}
